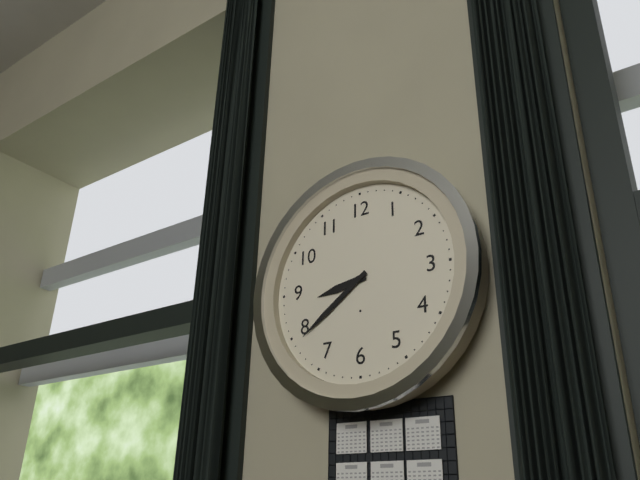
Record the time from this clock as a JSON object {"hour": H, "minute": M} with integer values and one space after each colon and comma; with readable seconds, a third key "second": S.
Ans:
{"hour": 8, "minute": 39}
